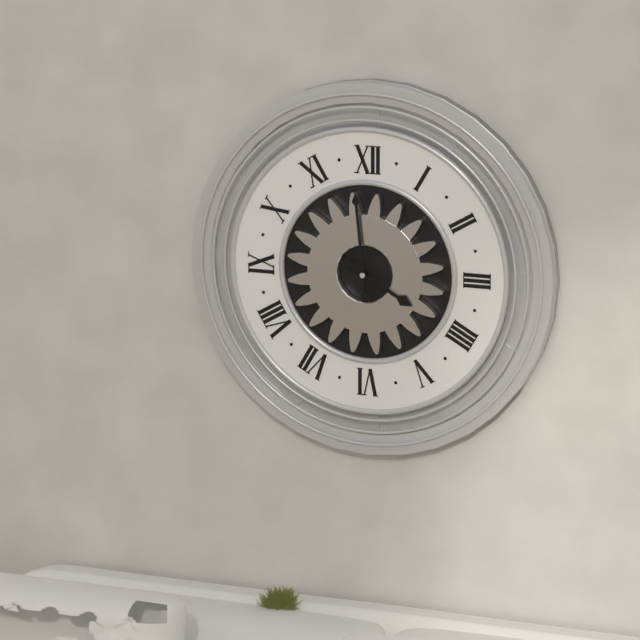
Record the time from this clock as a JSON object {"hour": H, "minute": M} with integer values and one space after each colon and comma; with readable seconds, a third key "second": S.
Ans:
{"hour": 3, "minute": 59}
